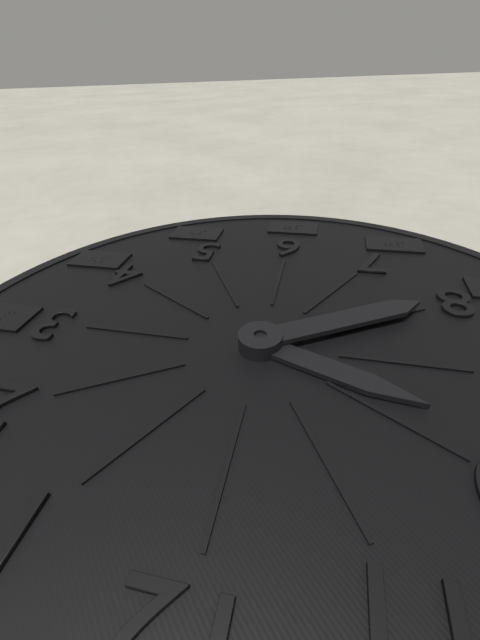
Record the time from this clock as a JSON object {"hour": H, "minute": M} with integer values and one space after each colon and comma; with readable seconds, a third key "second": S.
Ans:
{"hour": 9, "minute": 40}
